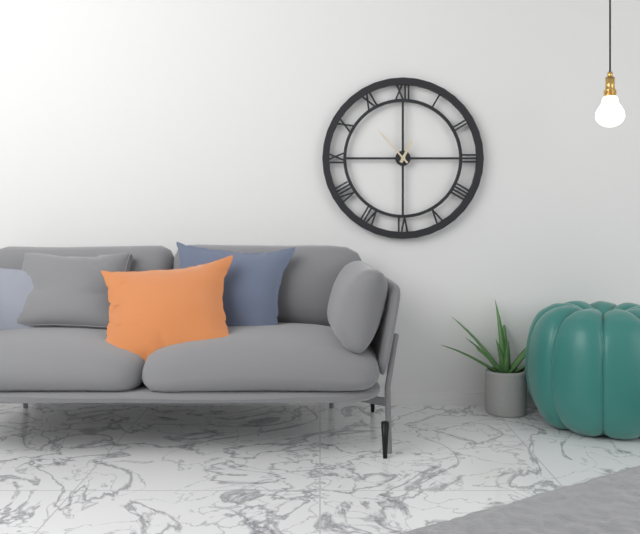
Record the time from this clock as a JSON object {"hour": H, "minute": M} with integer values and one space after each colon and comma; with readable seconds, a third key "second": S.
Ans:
{"hour": 12, "minute": 53}
